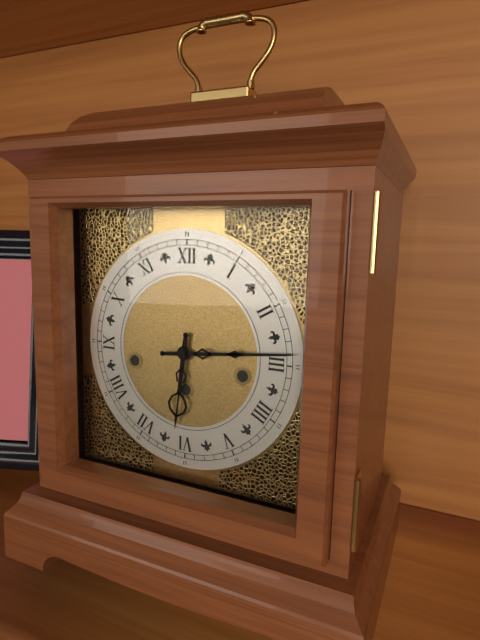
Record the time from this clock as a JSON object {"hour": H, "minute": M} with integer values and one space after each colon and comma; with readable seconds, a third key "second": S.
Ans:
{"hour": 6, "minute": 14}
